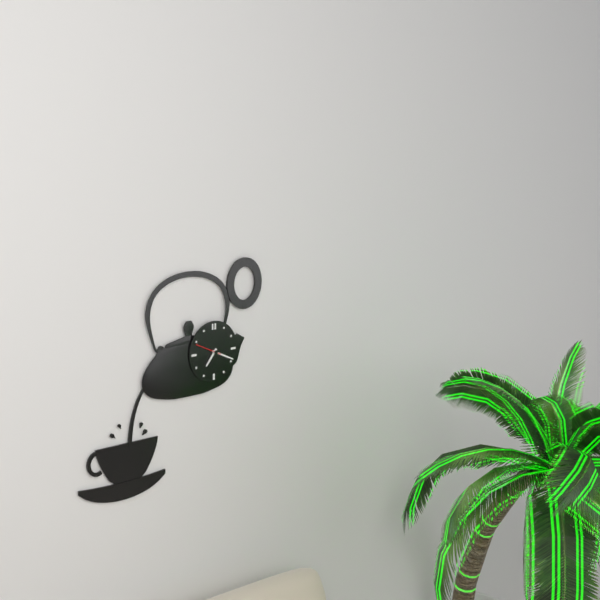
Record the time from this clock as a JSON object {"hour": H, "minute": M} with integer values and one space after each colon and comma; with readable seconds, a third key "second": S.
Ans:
{"hour": 7, "minute": 19}
